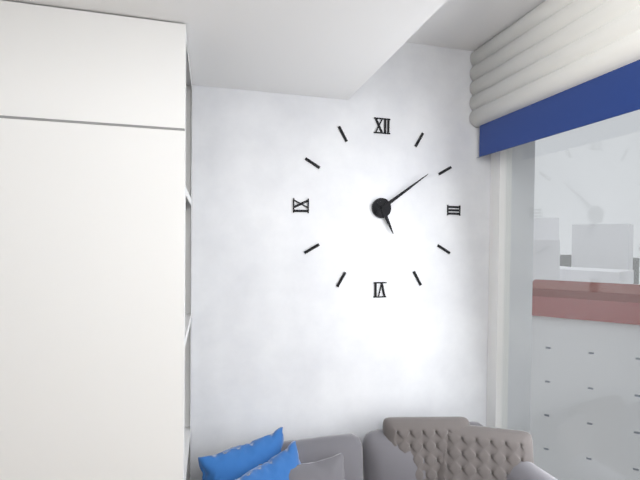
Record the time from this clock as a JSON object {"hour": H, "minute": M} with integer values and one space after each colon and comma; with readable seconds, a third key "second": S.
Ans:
{"hour": 5, "minute": 9}
